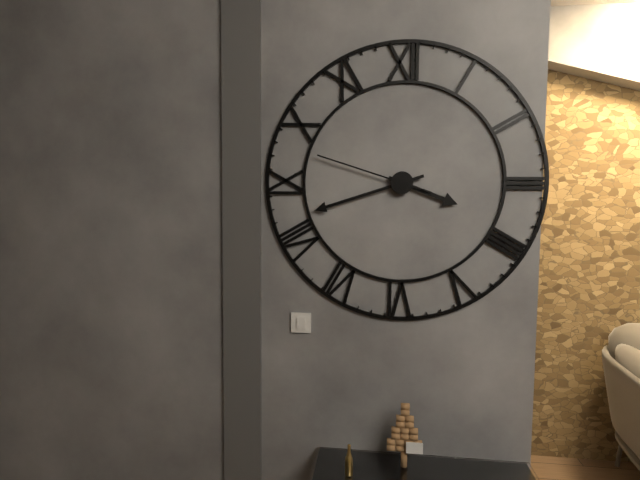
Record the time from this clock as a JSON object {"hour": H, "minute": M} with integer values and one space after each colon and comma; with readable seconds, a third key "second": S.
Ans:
{"hour": 3, "minute": 42, "second": 48}
